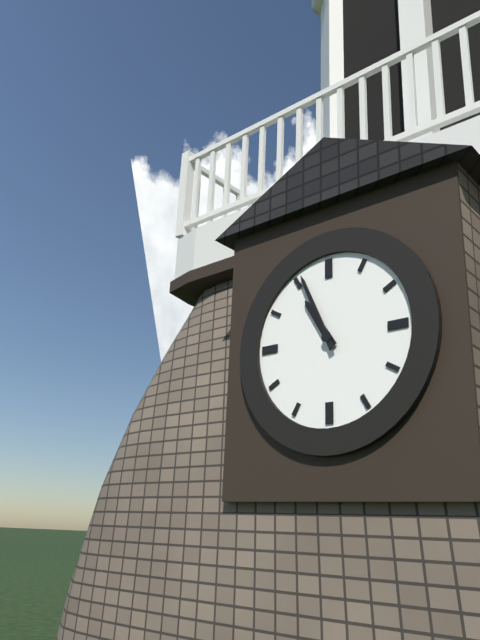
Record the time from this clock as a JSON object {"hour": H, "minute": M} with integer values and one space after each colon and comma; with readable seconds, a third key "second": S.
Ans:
{"hour": 10, "minute": 56}
